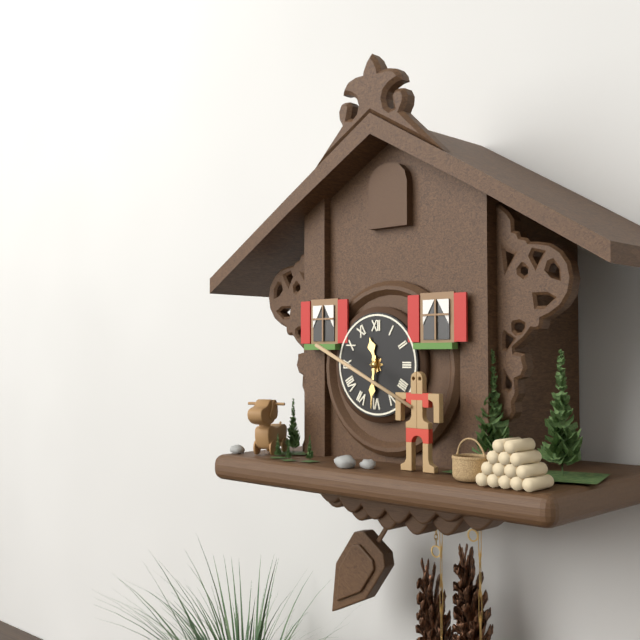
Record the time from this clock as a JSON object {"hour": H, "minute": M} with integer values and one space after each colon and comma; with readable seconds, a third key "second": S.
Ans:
{"hour": 11, "minute": 31}
